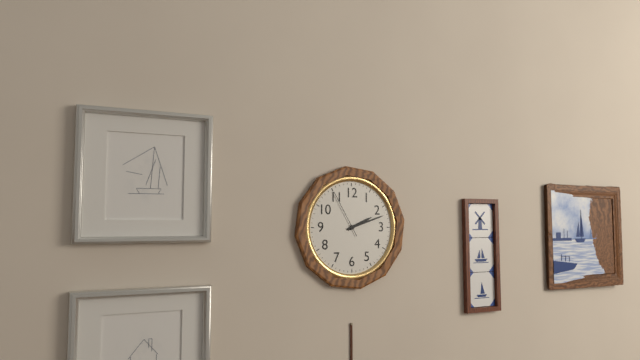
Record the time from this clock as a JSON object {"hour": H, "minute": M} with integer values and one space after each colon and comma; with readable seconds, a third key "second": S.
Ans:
{"hour": 2, "minute": 12}
